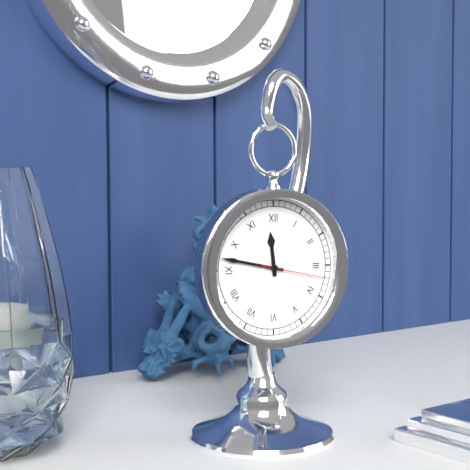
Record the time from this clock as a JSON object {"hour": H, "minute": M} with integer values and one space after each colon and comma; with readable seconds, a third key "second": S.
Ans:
{"hour": 11, "minute": 47, "second": 17}
